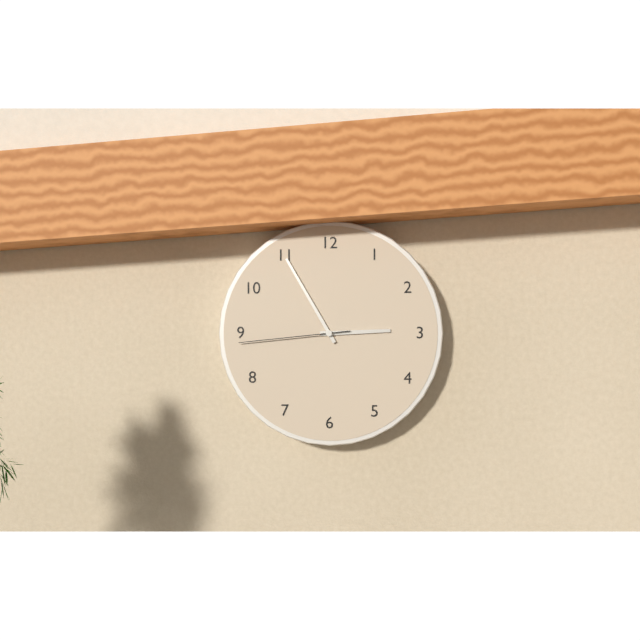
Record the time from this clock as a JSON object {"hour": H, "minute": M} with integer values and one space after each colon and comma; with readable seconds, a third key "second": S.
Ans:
{"hour": 2, "minute": 55, "second": 44}
